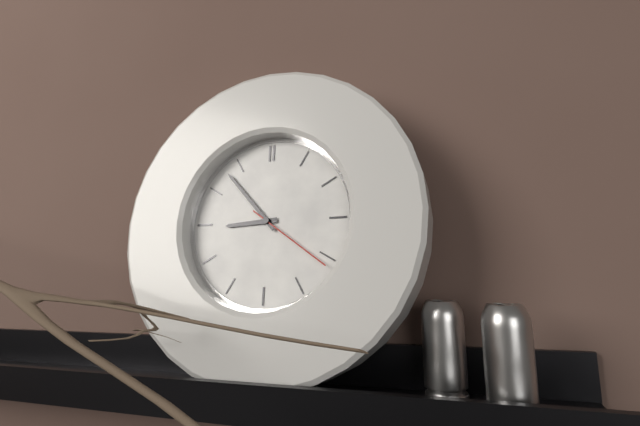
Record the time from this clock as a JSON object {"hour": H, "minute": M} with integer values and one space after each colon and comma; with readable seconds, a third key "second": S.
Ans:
{"hour": 8, "minute": 53, "second": 21}
